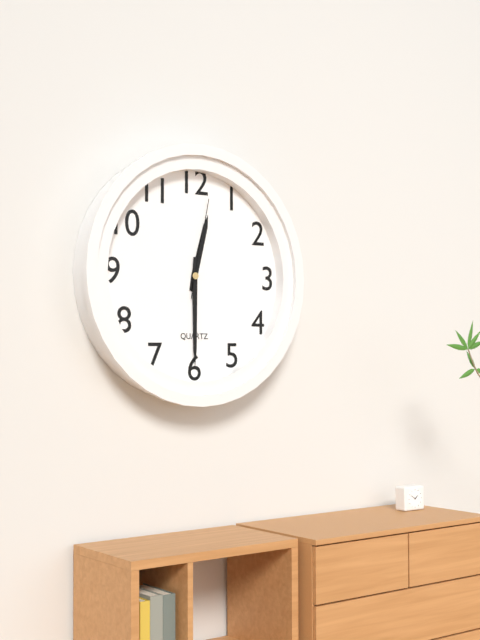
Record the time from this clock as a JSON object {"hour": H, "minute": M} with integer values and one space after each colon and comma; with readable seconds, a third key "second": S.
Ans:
{"hour": 12, "minute": 30, "second": 2}
